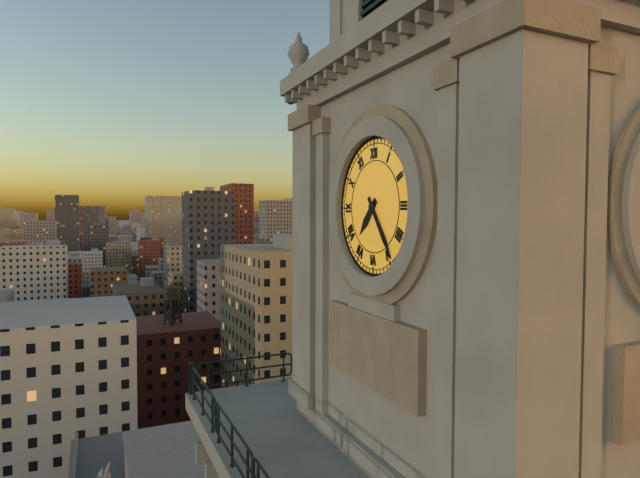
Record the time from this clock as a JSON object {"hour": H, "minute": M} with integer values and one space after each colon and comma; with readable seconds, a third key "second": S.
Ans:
{"hour": 7, "minute": 24}
